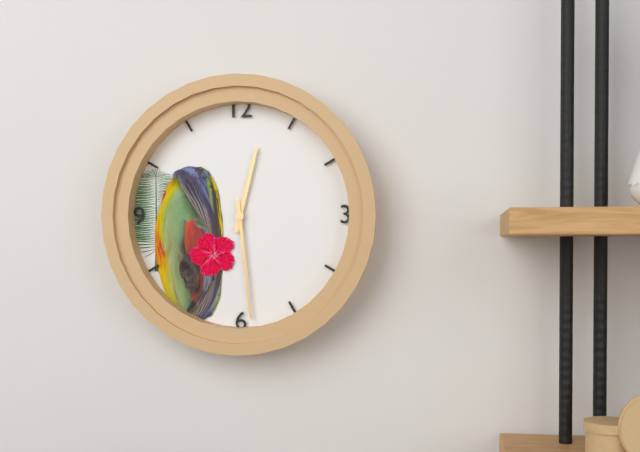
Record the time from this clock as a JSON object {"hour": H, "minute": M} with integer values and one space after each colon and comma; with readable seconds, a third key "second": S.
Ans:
{"hour": 12, "minute": 29}
